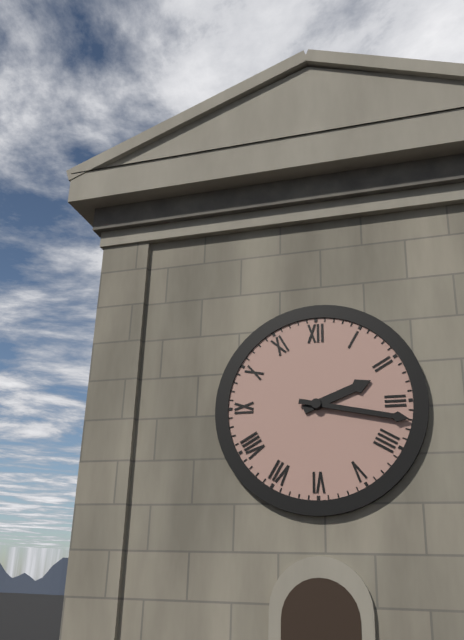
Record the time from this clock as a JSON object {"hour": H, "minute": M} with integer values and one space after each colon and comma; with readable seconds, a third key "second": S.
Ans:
{"hour": 2, "minute": 17}
